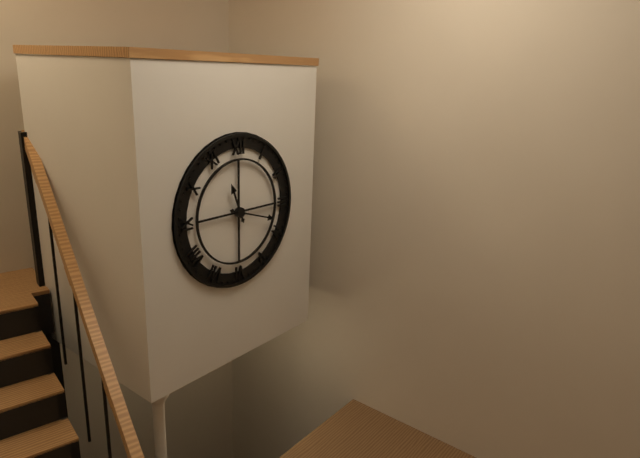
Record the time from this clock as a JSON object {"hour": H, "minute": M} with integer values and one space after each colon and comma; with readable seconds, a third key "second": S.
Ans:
{"hour": 11, "minute": 18}
